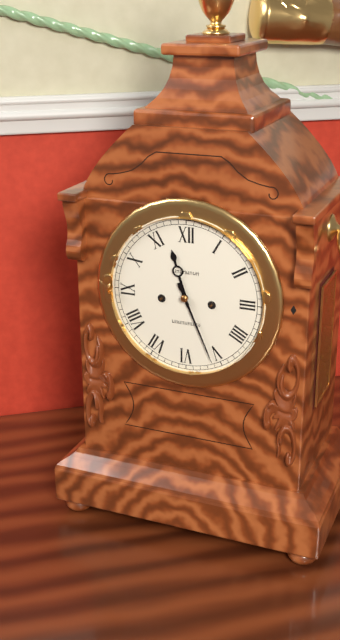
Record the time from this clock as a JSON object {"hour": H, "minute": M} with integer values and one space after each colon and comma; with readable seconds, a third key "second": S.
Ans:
{"hour": 11, "minute": 26}
